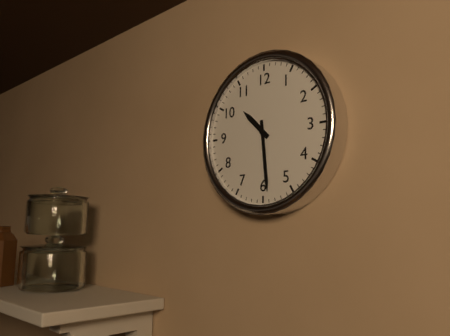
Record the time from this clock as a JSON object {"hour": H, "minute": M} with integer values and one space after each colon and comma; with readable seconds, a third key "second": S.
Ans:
{"hour": 10, "minute": 29}
